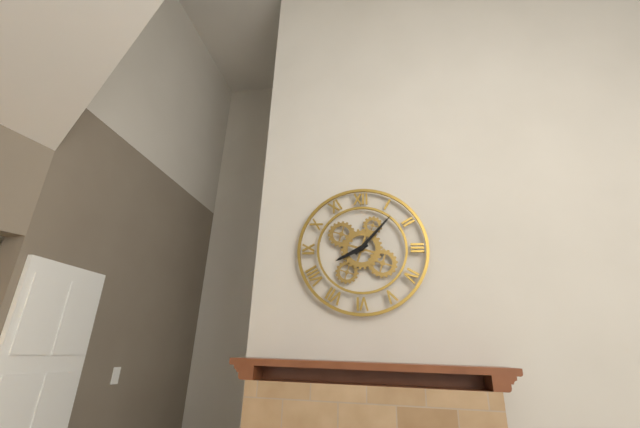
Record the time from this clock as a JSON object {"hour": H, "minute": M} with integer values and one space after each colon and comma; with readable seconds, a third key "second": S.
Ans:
{"hour": 8, "minute": 7}
